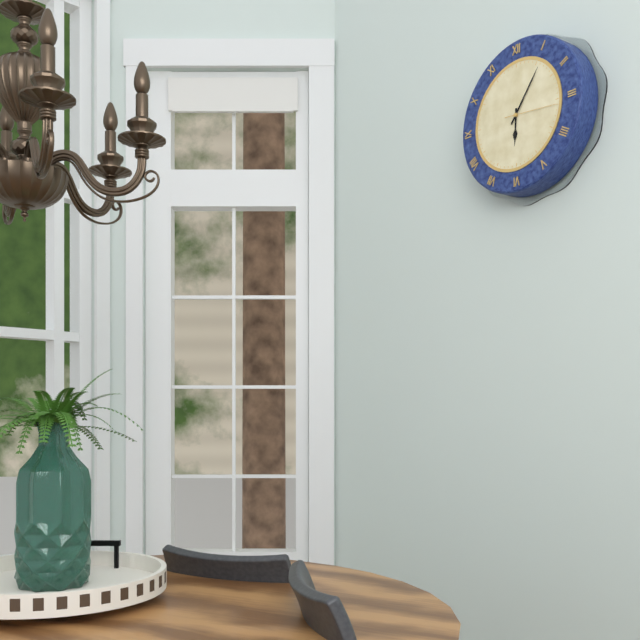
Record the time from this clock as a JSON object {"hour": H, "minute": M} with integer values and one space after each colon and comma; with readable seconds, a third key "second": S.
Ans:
{"hour": 6, "minute": 6, "second": 16}
